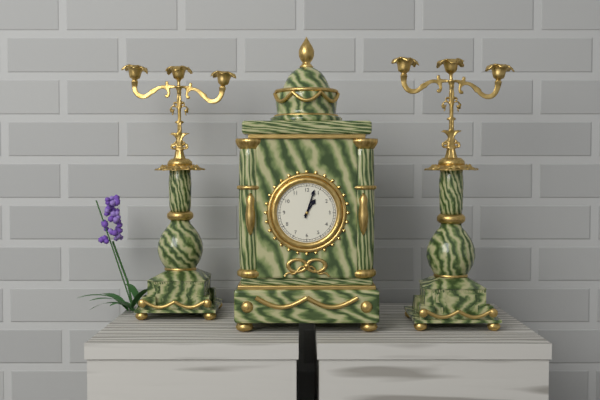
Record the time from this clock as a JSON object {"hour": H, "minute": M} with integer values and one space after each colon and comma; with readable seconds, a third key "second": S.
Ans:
{"hour": 1, "minute": 3}
